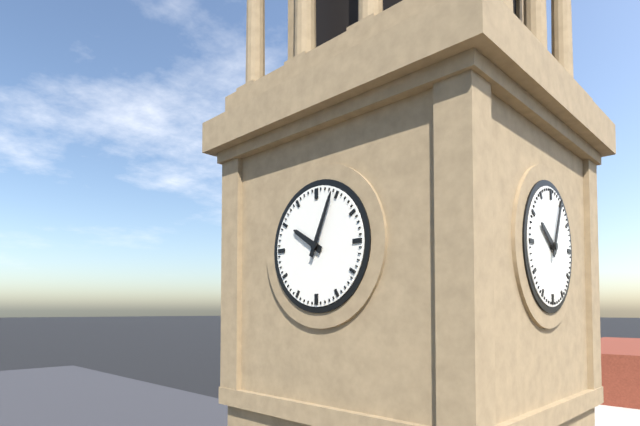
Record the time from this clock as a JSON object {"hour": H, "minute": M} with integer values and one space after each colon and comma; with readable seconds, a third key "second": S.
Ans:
{"hour": 10, "minute": 4}
